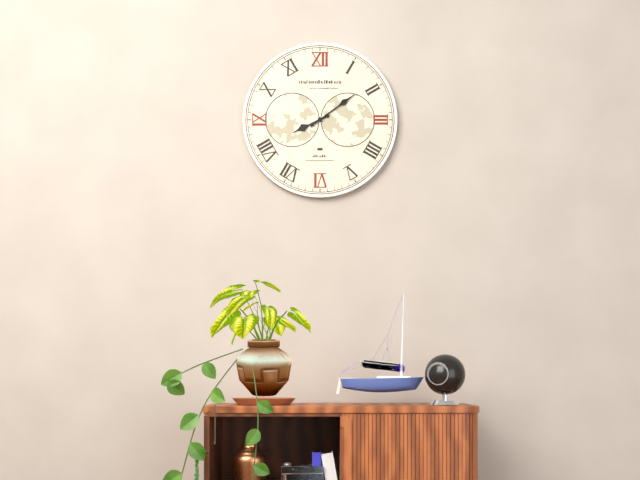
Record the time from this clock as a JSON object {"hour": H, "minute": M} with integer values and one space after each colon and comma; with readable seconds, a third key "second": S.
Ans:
{"hour": 8, "minute": 9}
